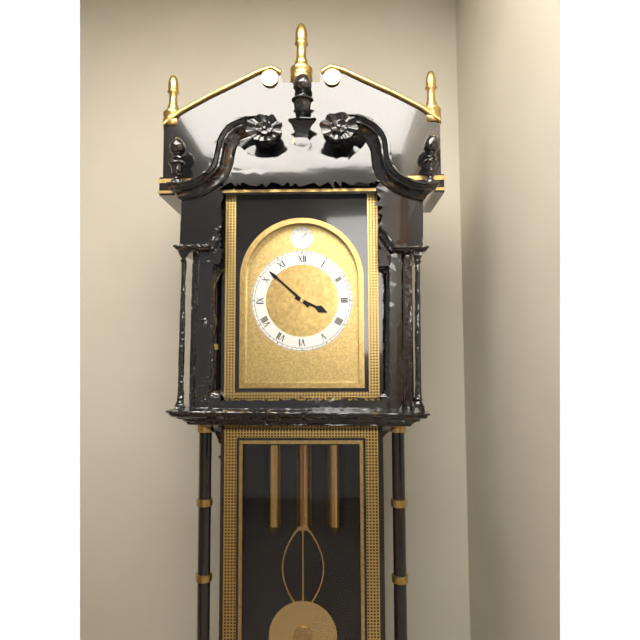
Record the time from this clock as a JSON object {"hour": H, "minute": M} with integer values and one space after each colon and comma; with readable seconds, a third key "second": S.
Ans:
{"hour": 3, "minute": 52}
